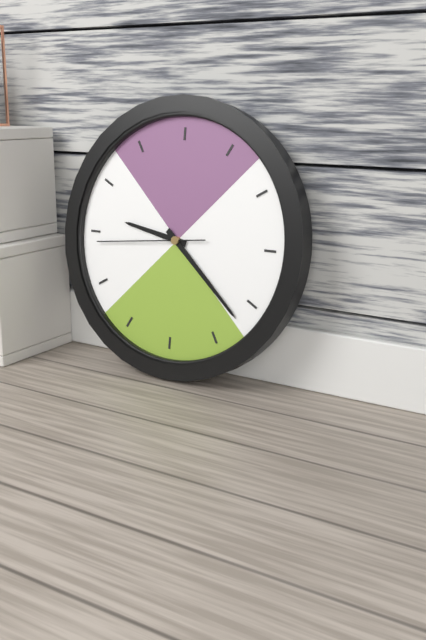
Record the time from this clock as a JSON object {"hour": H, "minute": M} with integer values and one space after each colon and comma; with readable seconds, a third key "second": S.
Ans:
{"hour": 9, "minute": 22, "second": 44}
